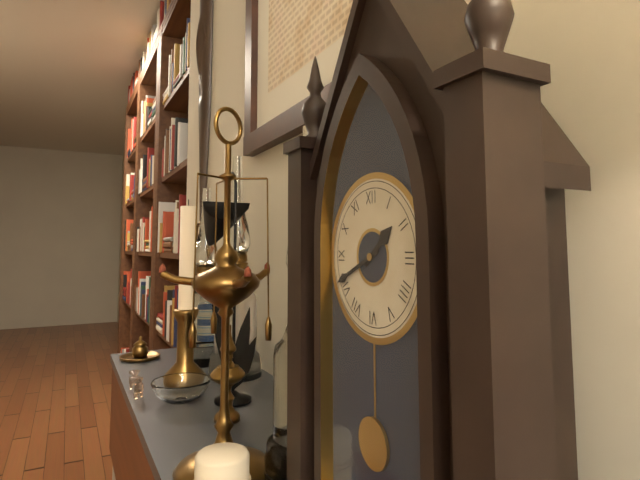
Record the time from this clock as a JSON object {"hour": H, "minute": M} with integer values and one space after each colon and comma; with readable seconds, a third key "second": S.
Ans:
{"hour": 1, "minute": 41}
